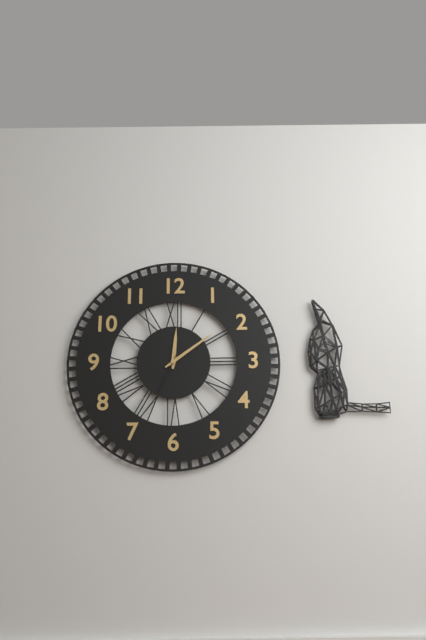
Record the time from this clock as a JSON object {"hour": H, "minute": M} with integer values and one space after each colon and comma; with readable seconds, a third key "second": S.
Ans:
{"hour": 12, "minute": 9, "second": 34}
